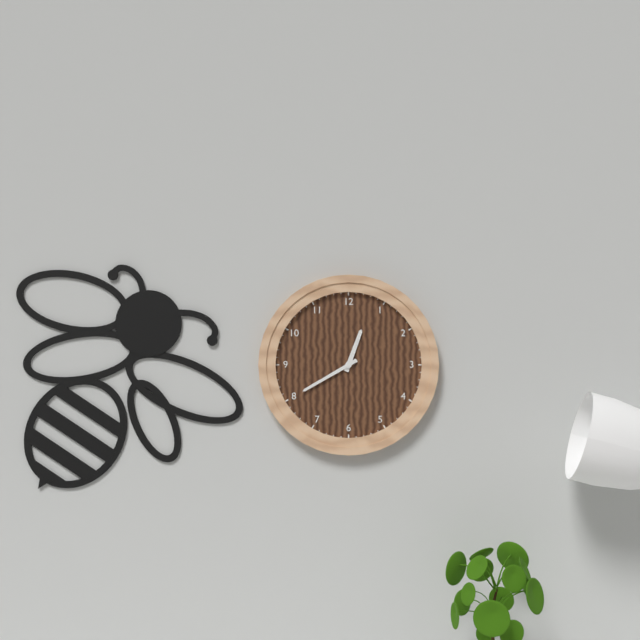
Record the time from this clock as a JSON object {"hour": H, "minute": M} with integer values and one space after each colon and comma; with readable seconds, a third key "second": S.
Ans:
{"hour": 12, "minute": 40}
